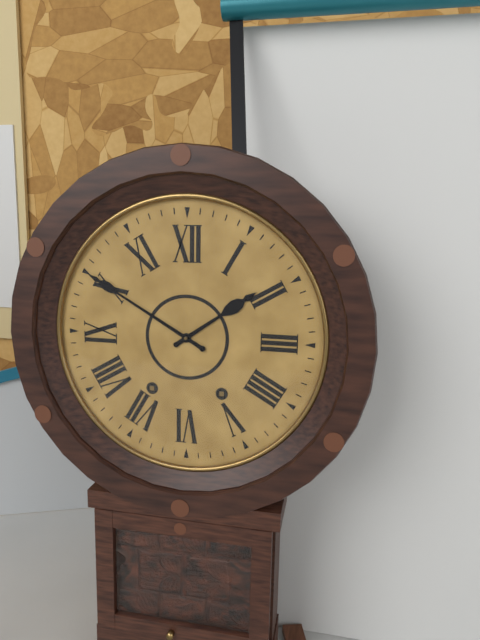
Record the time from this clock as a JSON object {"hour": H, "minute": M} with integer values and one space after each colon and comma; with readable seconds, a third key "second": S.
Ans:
{"hour": 1, "minute": 50}
